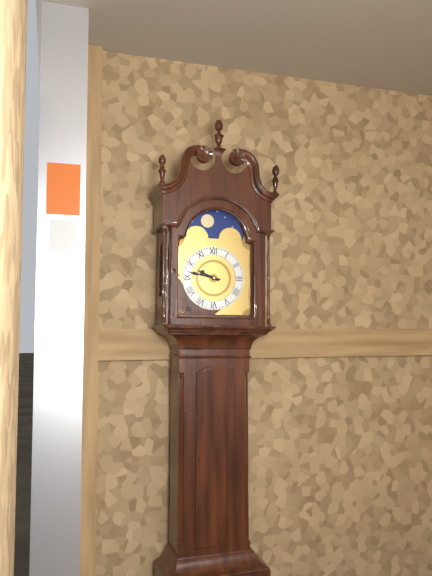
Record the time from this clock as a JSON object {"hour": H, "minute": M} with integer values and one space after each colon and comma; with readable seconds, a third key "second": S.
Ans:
{"hour": 9, "minute": 47}
